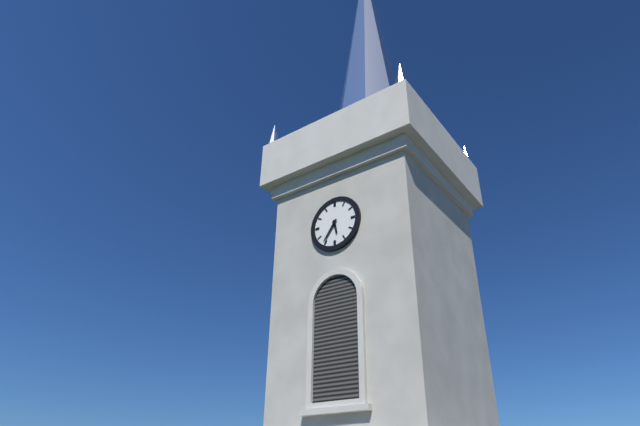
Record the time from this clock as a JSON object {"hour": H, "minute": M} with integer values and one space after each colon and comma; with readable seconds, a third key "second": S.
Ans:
{"hour": 5, "minute": 36}
